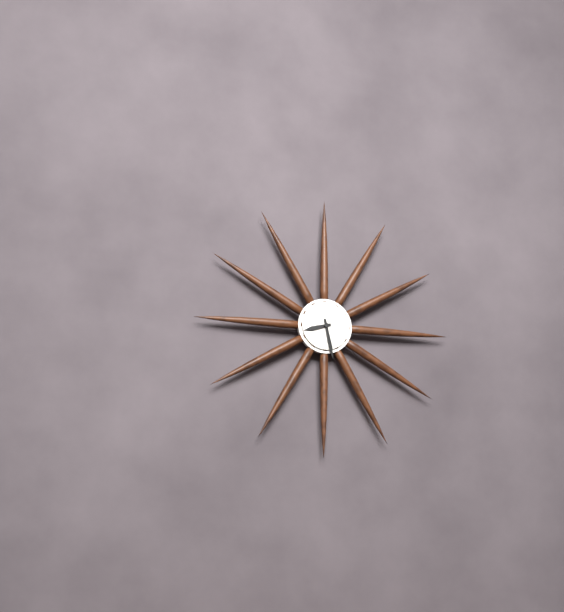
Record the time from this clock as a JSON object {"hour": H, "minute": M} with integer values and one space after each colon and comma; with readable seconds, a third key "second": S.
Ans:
{"hour": 8, "minute": 28}
